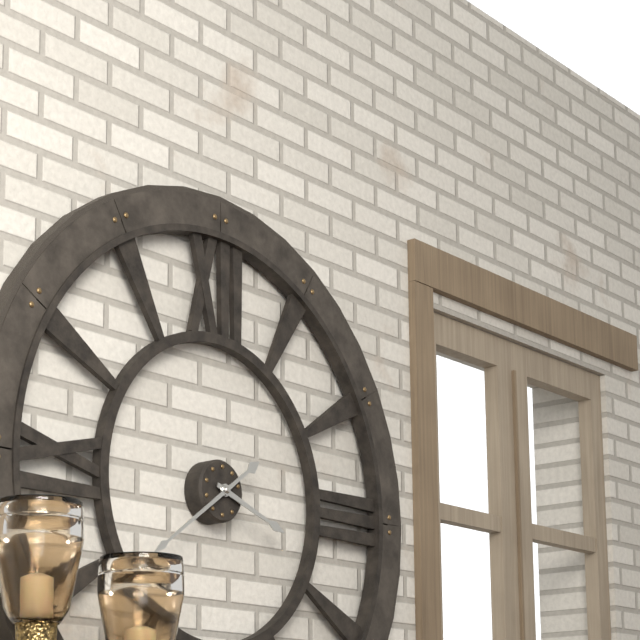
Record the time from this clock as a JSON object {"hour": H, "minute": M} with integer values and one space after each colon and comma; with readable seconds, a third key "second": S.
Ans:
{"hour": 3, "minute": 39}
